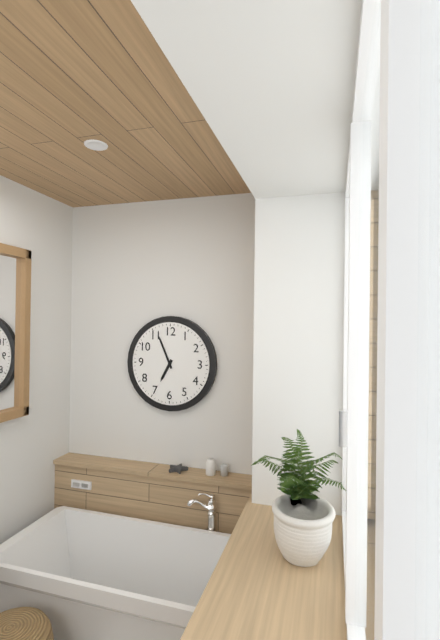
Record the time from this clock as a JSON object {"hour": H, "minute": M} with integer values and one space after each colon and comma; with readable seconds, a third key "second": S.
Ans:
{"hour": 6, "minute": 56}
